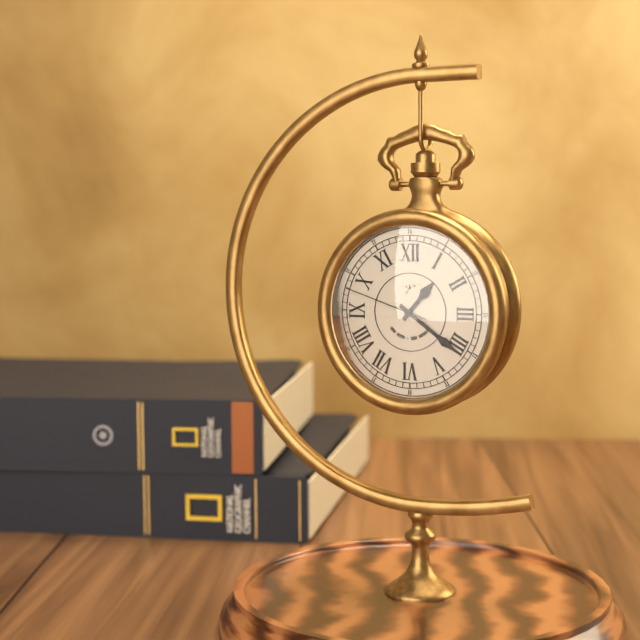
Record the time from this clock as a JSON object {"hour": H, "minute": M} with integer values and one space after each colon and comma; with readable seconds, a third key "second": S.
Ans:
{"hour": 1, "minute": 21, "second": 48}
